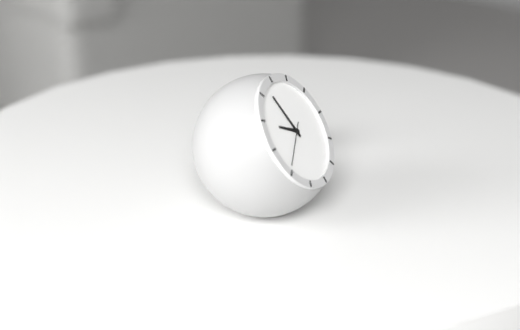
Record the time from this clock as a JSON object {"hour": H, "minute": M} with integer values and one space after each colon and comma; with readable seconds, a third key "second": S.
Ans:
{"hour": 9, "minute": 58}
